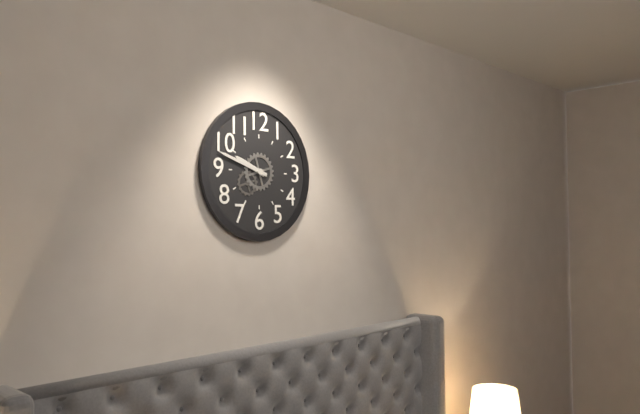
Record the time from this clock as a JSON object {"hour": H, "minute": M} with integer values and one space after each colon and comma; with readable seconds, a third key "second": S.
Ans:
{"hour": 9, "minute": 48}
